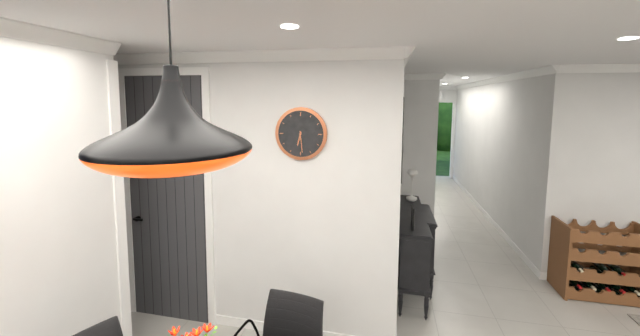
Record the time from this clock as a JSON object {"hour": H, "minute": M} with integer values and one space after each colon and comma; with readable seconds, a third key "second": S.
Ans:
{"hour": 6, "minute": 29}
